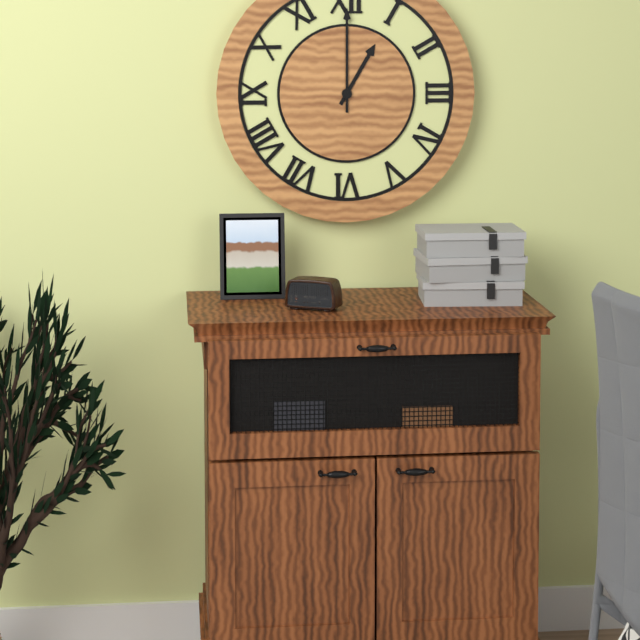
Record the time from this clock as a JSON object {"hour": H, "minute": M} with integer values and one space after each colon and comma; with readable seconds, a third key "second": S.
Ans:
{"hour": 1, "minute": 0}
